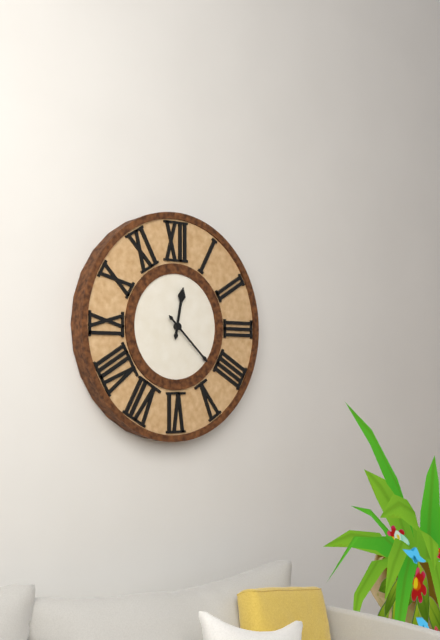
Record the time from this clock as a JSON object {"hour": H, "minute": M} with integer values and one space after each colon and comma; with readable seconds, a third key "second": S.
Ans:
{"hour": 12, "minute": 22}
